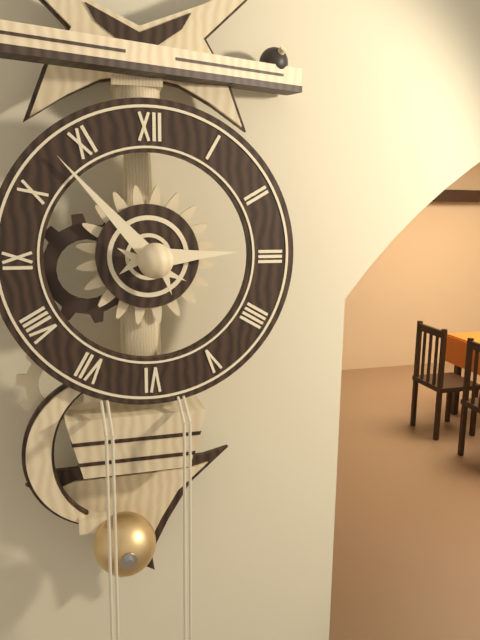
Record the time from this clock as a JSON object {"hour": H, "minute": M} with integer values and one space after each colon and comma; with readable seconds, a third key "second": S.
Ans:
{"hour": 2, "minute": 53}
